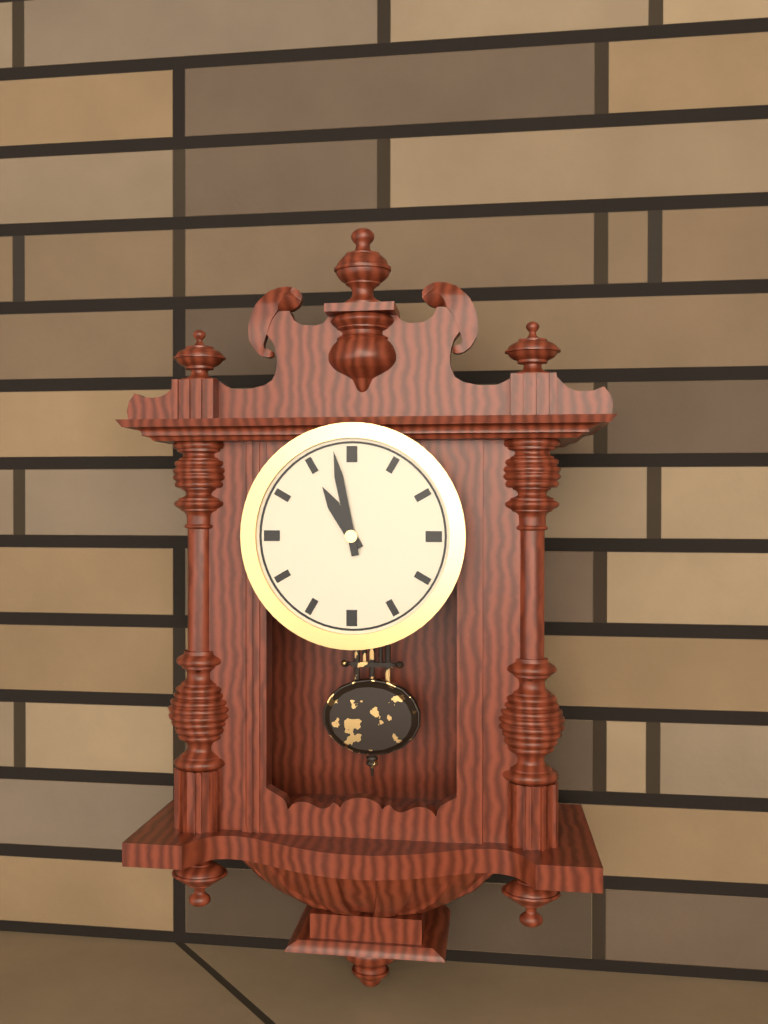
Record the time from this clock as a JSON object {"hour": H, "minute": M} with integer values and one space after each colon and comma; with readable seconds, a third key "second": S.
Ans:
{"hour": 10, "minute": 58}
